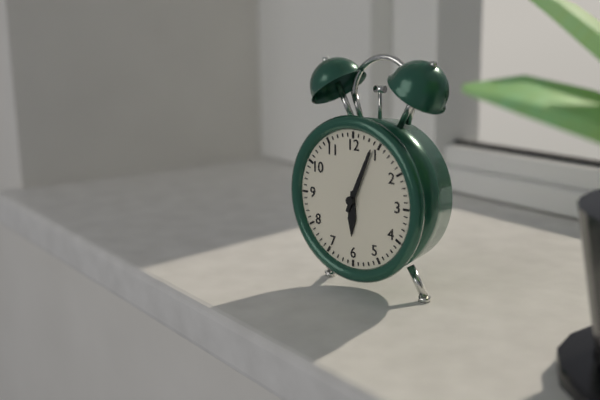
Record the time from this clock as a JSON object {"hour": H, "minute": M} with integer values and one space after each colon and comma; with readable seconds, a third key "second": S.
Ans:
{"hour": 6, "minute": 4}
